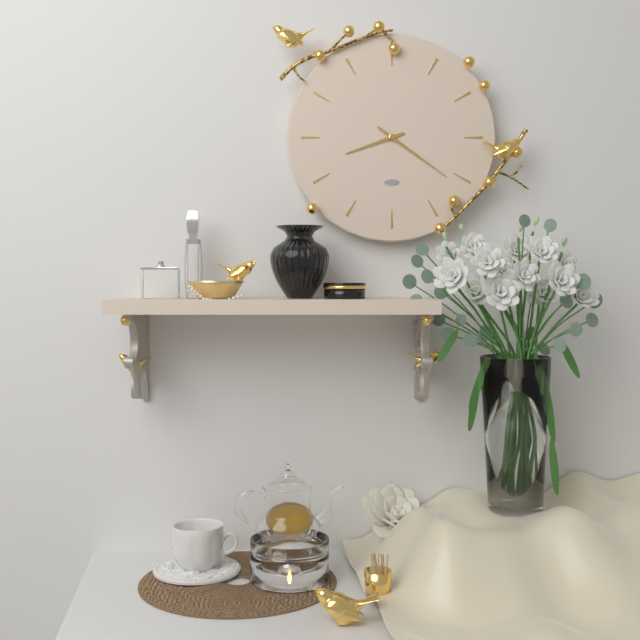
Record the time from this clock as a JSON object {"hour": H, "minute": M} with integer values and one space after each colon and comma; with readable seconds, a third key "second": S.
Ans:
{"hour": 8, "minute": 21}
